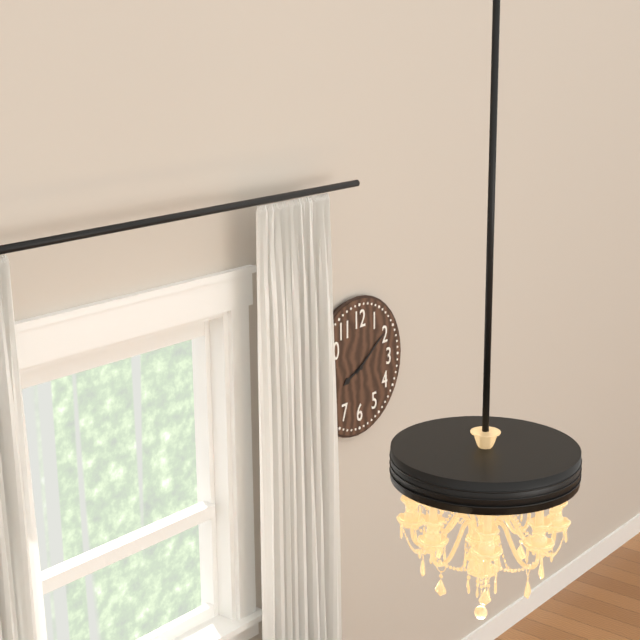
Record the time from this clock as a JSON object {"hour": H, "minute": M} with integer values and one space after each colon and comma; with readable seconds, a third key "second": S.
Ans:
{"hour": 8, "minute": 9}
